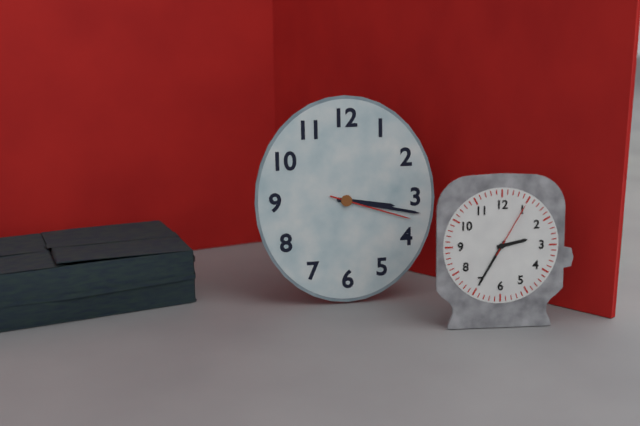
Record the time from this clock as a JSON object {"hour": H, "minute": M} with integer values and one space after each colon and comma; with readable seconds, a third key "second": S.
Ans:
{"hour": 3, "minute": 17, "second": 18}
